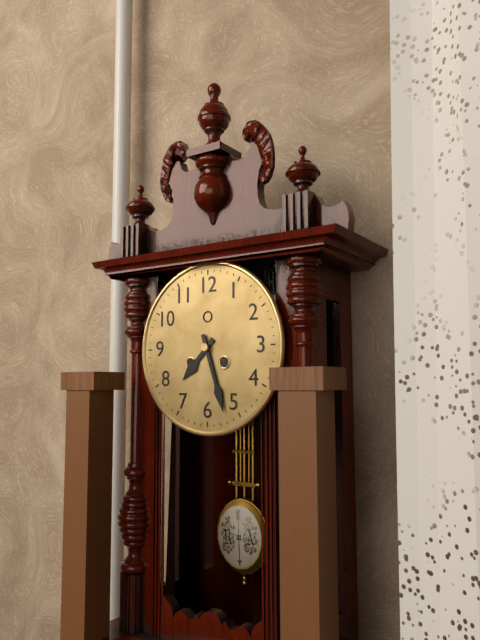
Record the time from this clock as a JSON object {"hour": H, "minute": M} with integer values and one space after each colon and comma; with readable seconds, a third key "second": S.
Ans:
{"hour": 7, "minute": 27}
